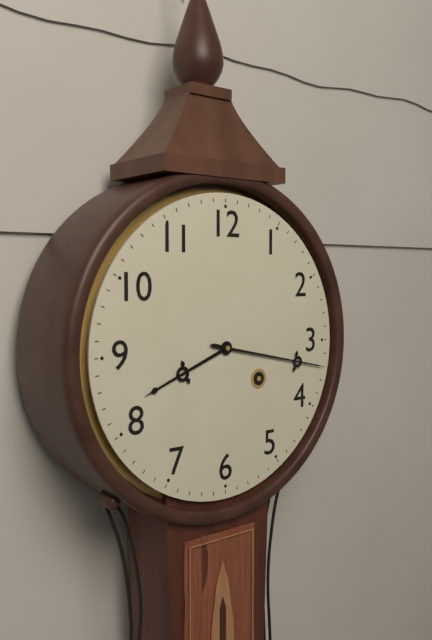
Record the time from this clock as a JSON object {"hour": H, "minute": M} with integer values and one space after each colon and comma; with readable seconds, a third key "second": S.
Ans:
{"hour": 8, "minute": 17}
